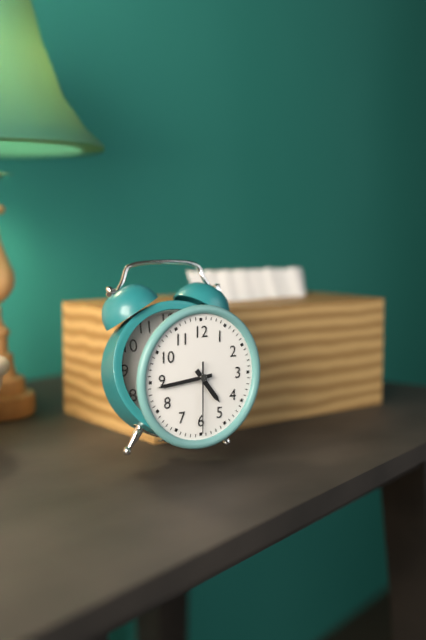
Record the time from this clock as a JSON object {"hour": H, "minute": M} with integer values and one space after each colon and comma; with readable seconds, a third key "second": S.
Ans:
{"hour": 4, "minute": 44, "second": 30}
